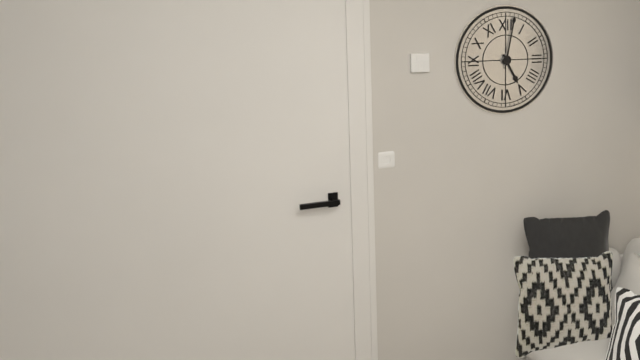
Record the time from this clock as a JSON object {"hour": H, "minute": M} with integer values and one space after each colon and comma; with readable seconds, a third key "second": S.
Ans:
{"hour": 5, "minute": 2}
